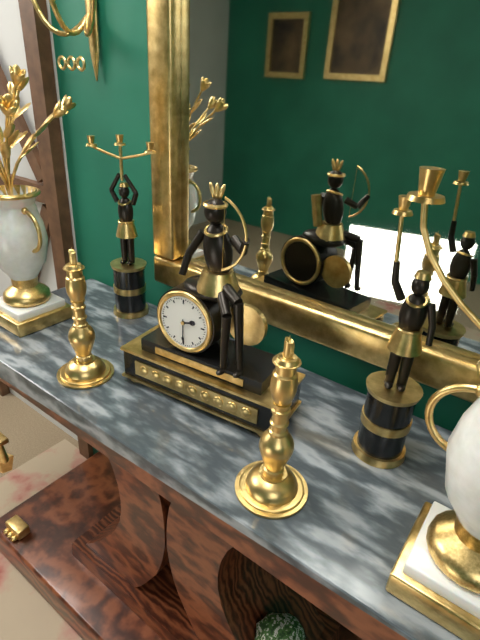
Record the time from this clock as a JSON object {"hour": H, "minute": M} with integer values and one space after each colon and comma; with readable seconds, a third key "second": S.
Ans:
{"hour": 2, "minute": 30}
